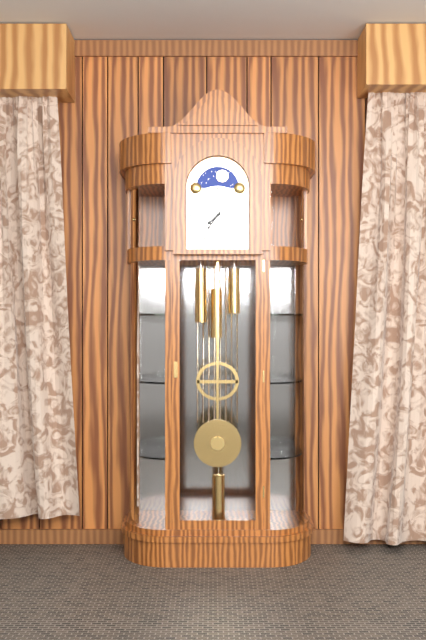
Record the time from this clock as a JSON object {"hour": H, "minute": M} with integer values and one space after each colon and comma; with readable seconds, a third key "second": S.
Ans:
{"hour": 7, "minute": 36}
